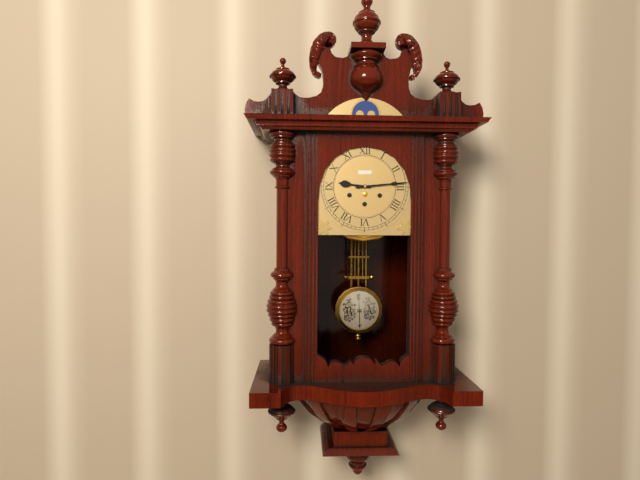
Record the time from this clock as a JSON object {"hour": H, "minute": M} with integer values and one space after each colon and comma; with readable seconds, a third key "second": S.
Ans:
{"hour": 9, "minute": 14}
